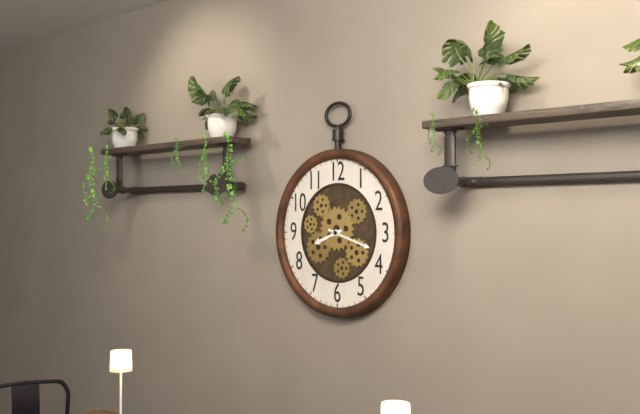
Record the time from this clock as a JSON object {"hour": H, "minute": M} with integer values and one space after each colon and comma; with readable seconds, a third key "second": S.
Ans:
{"hour": 8, "minute": 18}
